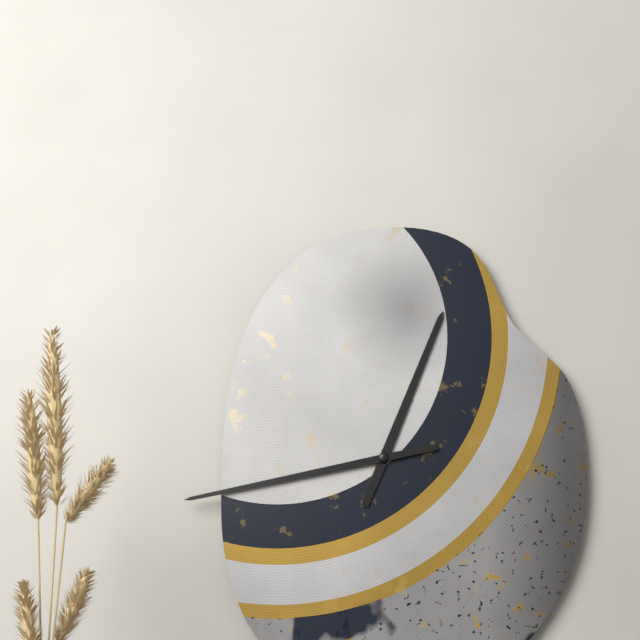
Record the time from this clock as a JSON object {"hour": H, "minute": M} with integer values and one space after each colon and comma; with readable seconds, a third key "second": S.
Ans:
{"hour": 12, "minute": 43}
